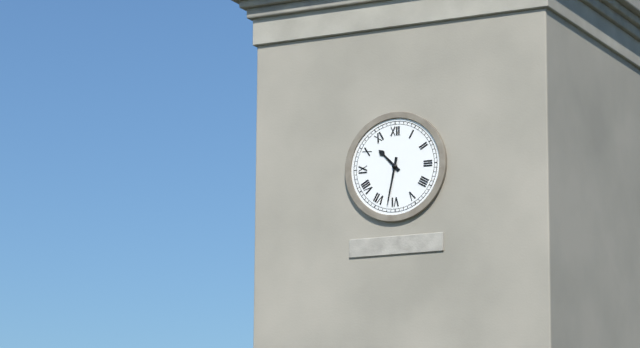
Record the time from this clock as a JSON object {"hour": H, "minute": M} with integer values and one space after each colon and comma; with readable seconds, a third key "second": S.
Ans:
{"hour": 10, "minute": 32}
